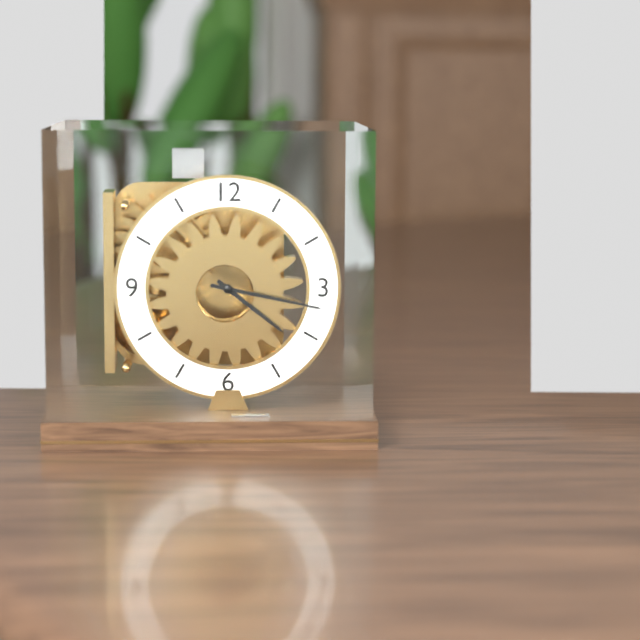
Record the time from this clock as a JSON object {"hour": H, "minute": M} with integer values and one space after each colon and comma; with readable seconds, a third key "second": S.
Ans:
{"hour": 4, "minute": 17}
